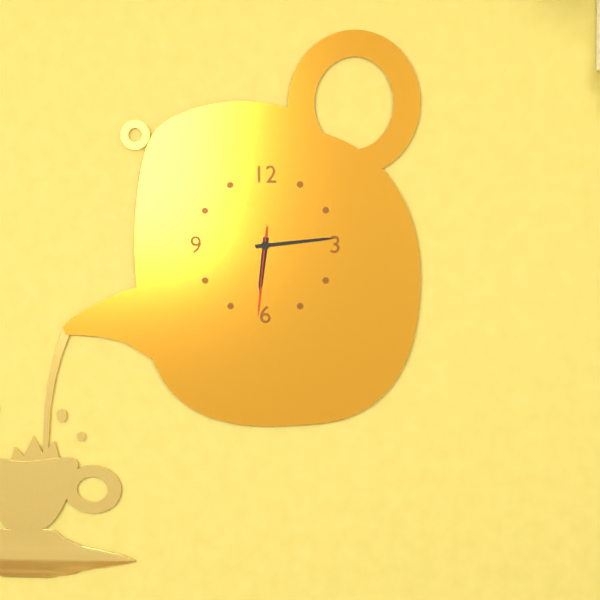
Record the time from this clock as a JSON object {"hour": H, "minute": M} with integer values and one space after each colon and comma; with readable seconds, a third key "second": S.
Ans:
{"hour": 6, "minute": 14, "second": 31}
